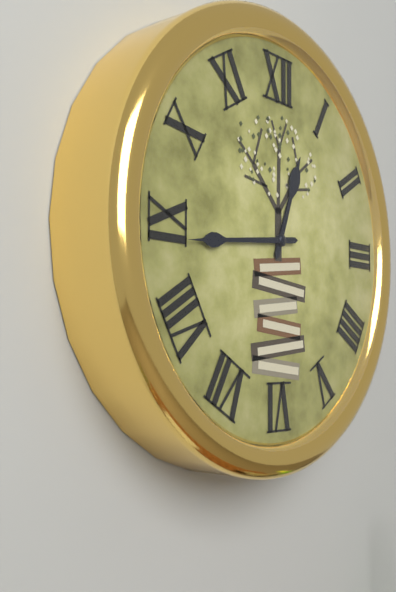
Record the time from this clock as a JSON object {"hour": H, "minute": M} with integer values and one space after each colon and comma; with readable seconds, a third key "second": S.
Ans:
{"hour": 12, "minute": 44}
